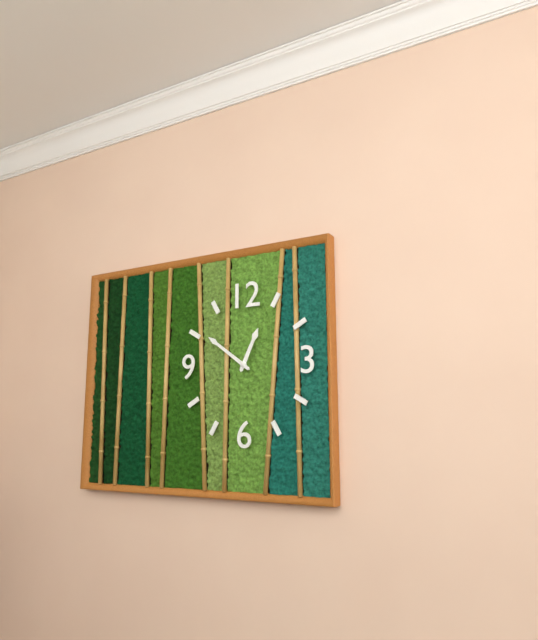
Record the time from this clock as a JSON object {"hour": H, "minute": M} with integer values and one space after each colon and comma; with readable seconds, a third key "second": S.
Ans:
{"hour": 12, "minute": 51}
